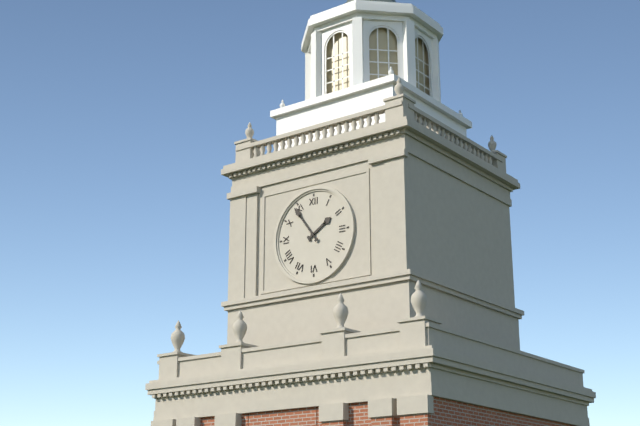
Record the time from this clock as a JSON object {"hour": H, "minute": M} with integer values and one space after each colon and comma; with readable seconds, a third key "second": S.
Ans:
{"hour": 1, "minute": 54}
